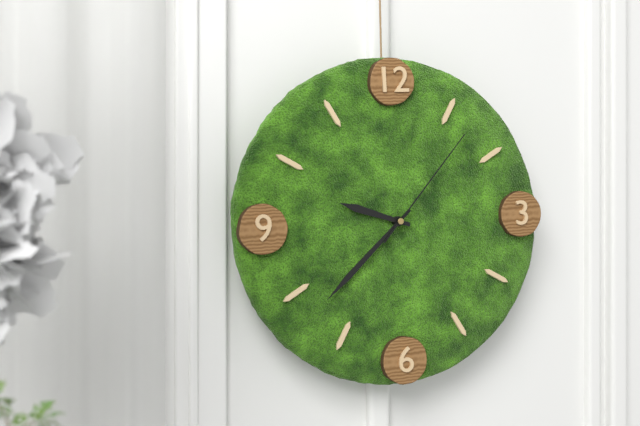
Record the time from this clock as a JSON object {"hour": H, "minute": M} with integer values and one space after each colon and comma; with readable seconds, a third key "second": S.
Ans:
{"hour": 9, "minute": 38, "second": 7}
